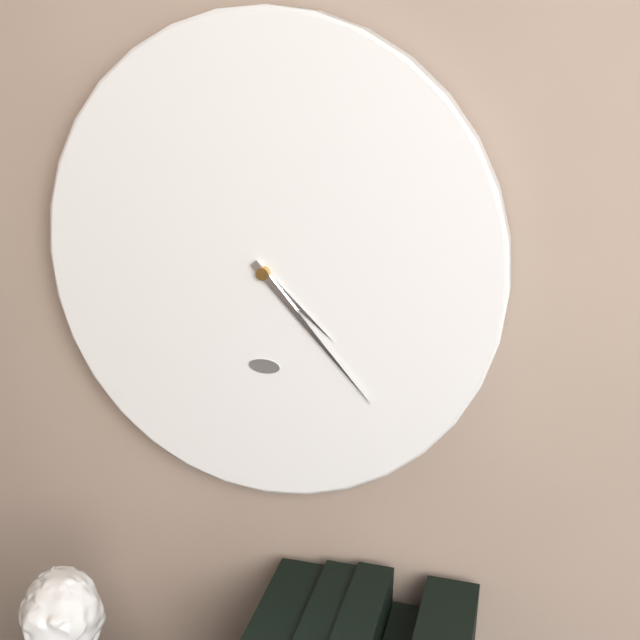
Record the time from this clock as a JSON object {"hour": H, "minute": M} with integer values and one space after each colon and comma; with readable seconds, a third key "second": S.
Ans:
{"hour": 4, "minute": 23}
